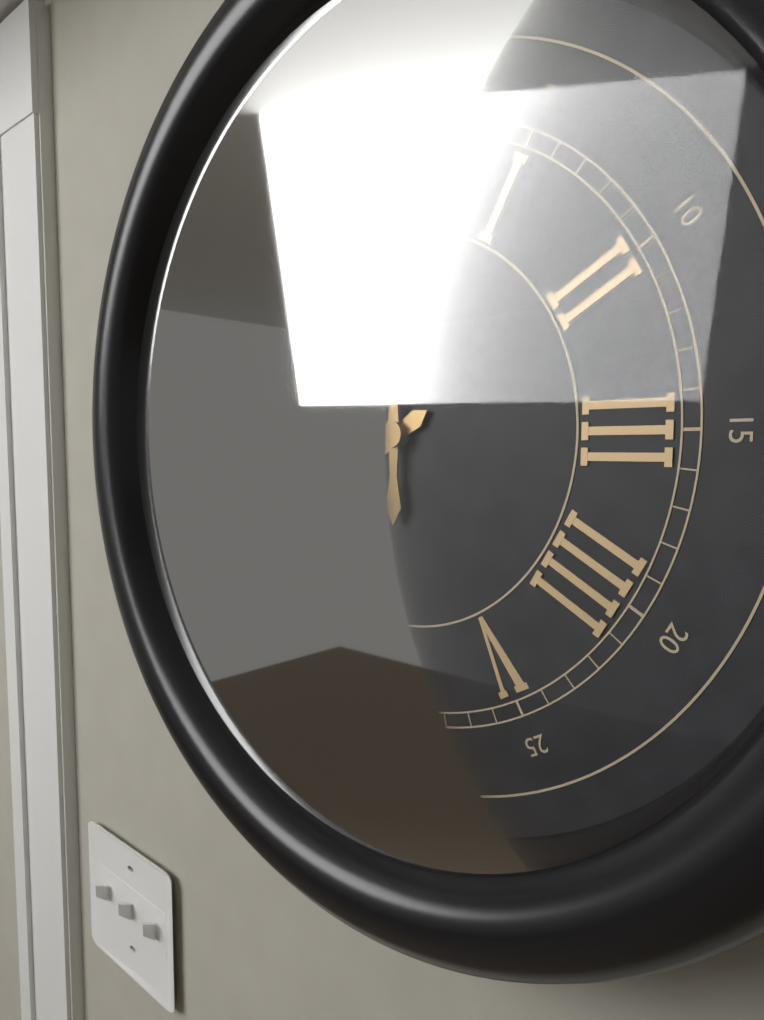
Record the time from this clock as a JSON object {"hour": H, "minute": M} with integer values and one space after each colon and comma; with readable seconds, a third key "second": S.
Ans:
{"hour": 8, "minute": 0}
